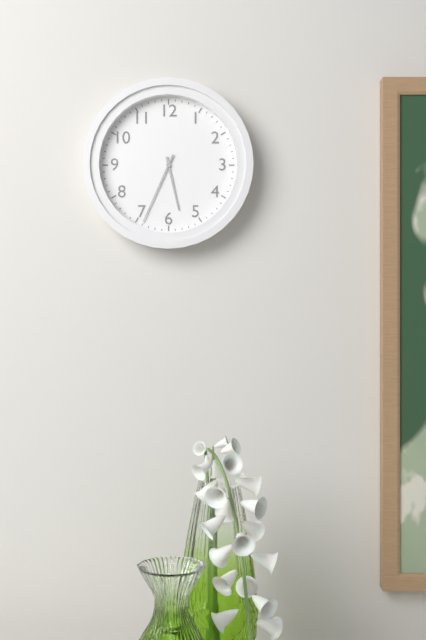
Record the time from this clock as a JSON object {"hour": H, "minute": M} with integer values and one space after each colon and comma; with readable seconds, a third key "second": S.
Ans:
{"hour": 5, "minute": 34}
